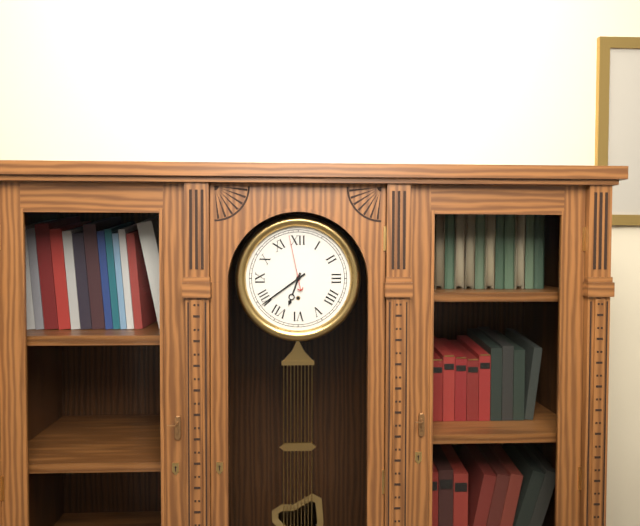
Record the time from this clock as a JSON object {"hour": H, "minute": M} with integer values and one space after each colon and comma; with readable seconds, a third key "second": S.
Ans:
{"hour": 6, "minute": 39, "second": 58}
